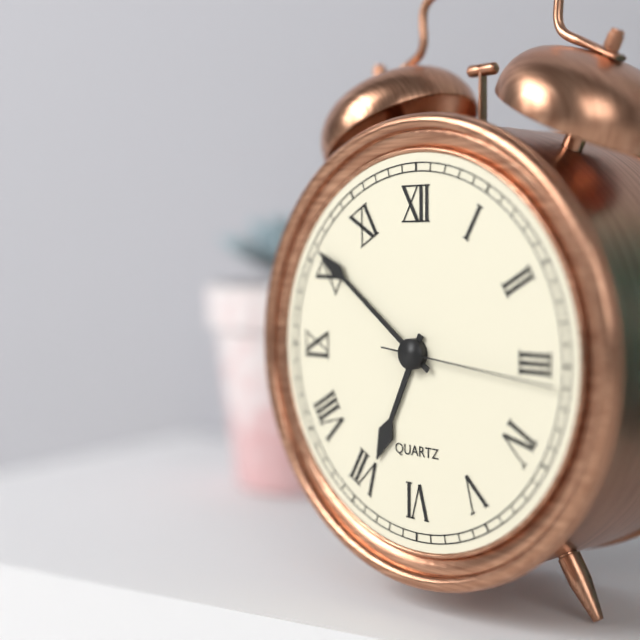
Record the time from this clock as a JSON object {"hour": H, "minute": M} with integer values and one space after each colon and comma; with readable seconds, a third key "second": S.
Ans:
{"hour": 6, "minute": 51, "second": 16}
